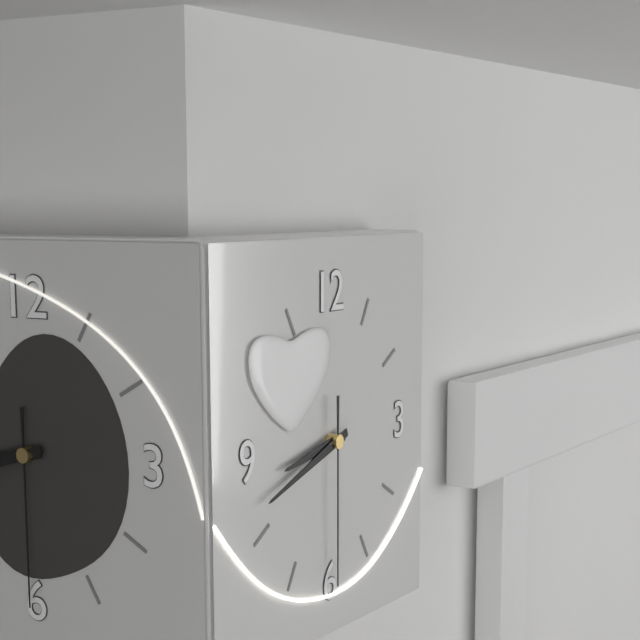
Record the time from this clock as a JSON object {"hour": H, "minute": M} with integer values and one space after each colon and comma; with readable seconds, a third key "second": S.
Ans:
{"hour": 8, "minute": 42, "second": 30}
